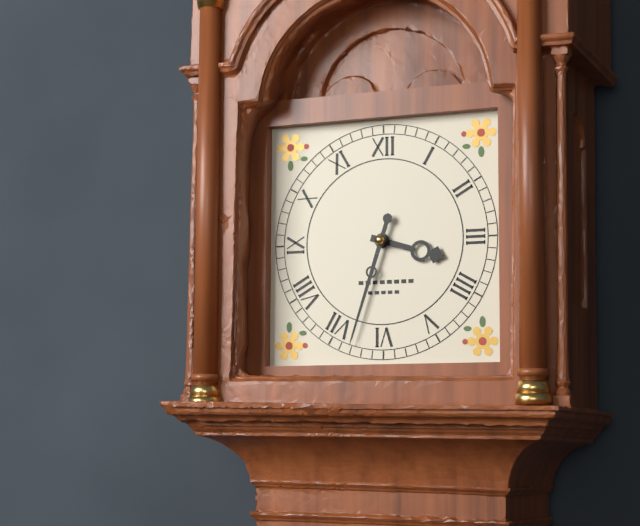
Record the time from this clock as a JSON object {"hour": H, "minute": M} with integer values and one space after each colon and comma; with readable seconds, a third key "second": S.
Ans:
{"hour": 3, "minute": 33}
